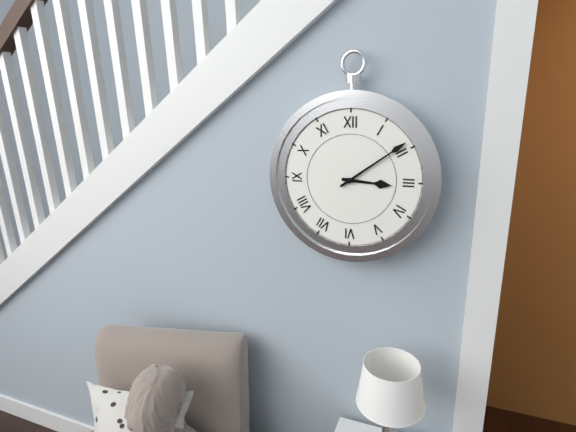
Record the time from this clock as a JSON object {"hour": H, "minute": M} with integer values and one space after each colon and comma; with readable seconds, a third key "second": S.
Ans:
{"hour": 3, "minute": 9}
